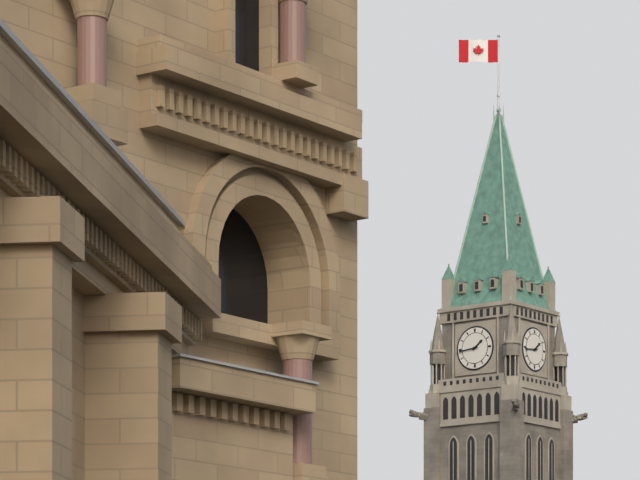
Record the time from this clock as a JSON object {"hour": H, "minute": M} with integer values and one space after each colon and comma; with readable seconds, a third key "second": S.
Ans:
{"hour": 1, "minute": 44}
